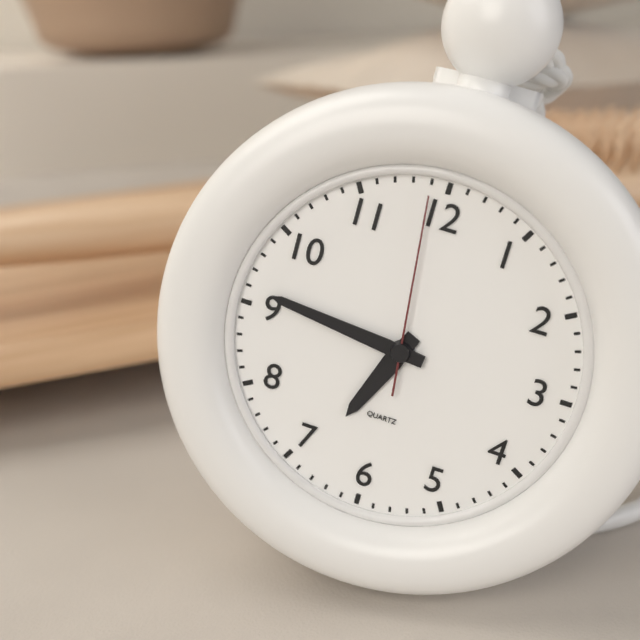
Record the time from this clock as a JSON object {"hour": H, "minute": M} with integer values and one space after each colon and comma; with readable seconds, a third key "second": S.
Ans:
{"hour": 6, "minute": 46, "second": 59}
